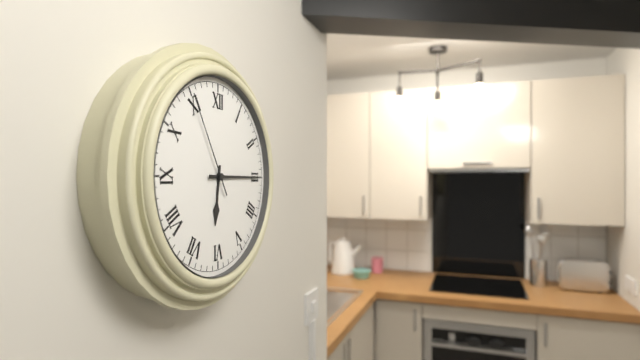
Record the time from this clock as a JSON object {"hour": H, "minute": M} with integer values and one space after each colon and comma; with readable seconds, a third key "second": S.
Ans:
{"hour": 6, "minute": 15, "second": 55}
